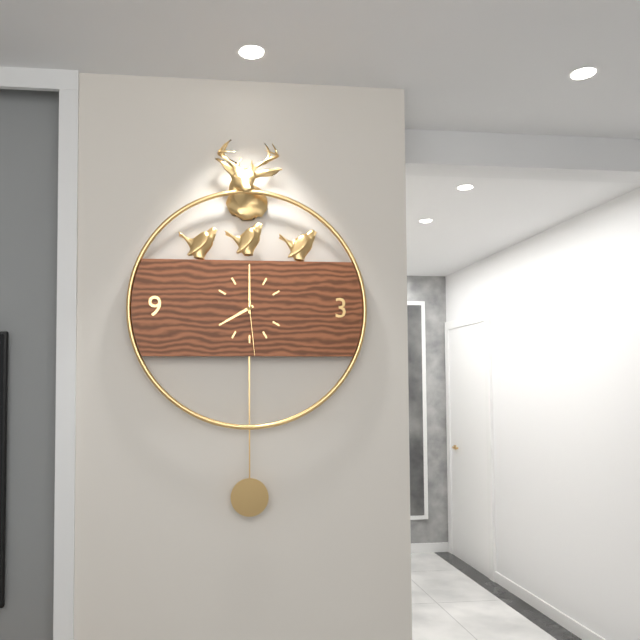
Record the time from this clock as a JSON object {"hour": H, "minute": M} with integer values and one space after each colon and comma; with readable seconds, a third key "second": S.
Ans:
{"hour": 8, "minute": 0, "second": 29}
